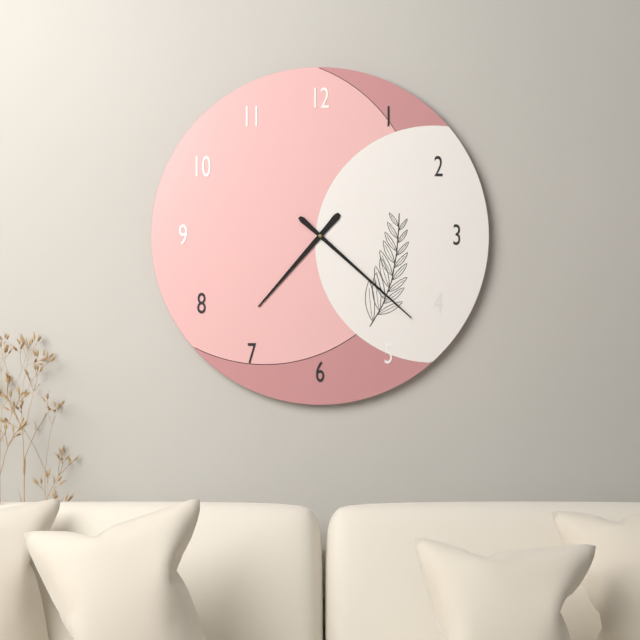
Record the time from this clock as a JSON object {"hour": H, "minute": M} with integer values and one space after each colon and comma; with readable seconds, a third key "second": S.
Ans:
{"hour": 7, "minute": 22}
